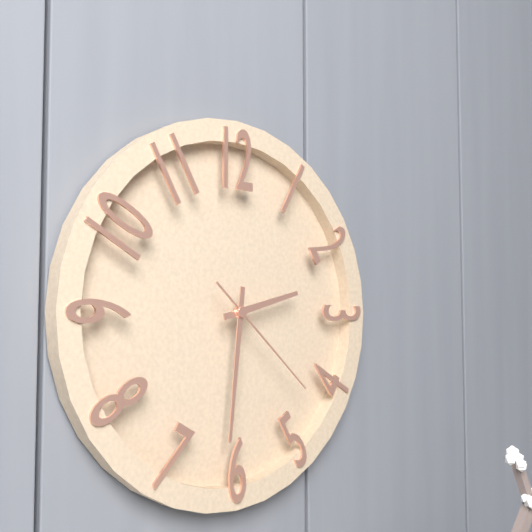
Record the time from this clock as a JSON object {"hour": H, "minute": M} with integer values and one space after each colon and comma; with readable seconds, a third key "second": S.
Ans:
{"hour": 2, "minute": 31, "second": 22}
